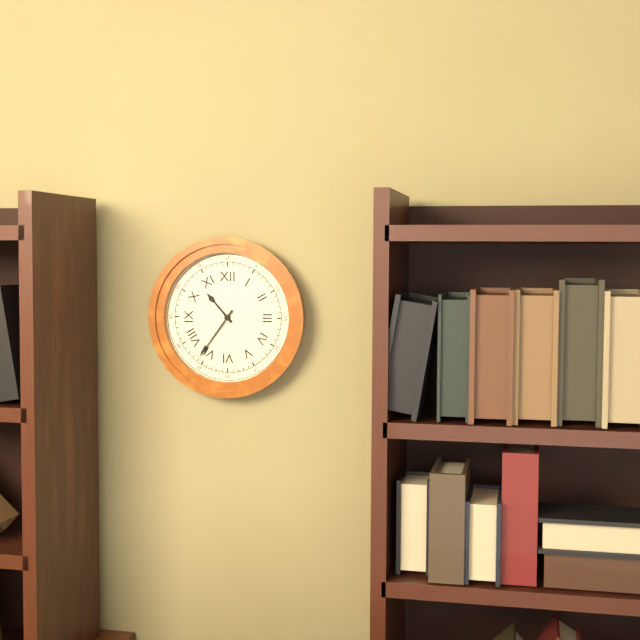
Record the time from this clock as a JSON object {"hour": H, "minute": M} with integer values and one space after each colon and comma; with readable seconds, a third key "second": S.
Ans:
{"hour": 10, "minute": 36}
